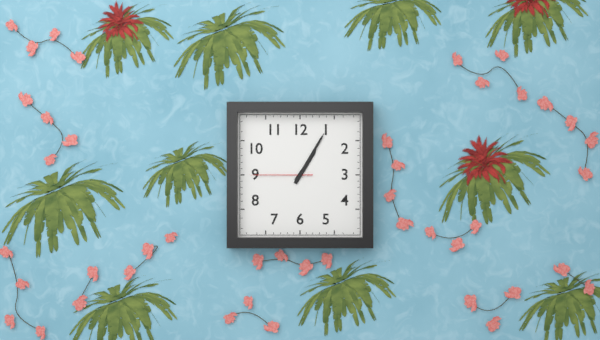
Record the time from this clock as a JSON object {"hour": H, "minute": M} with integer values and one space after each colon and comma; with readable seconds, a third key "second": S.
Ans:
{"hour": 1, "minute": 5, "second": 45}
